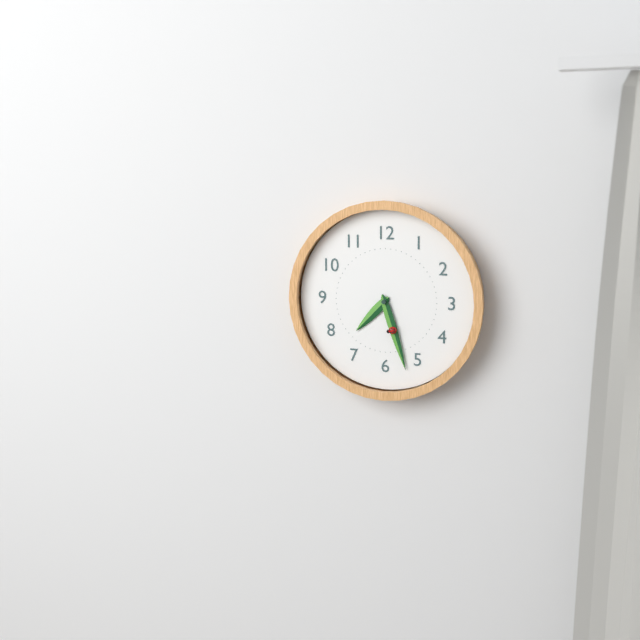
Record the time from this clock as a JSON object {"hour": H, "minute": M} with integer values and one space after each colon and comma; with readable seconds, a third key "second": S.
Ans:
{"hour": 7, "minute": 27}
